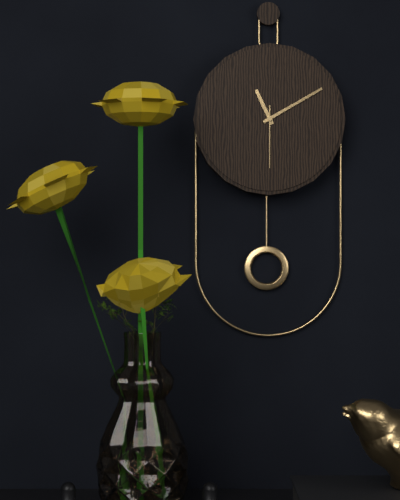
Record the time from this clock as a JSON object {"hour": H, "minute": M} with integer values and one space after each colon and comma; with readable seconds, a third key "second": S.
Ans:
{"hour": 11, "minute": 10, "second": 30}
